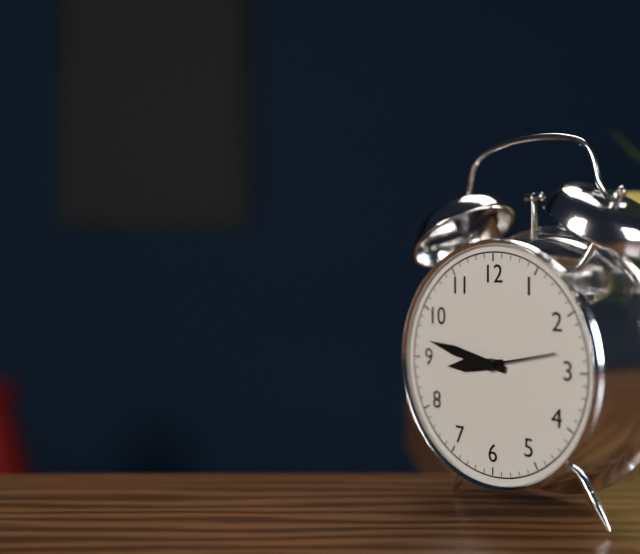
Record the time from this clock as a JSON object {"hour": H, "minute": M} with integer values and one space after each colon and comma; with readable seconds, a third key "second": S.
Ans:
{"hour": 8, "minute": 47, "second": 13}
